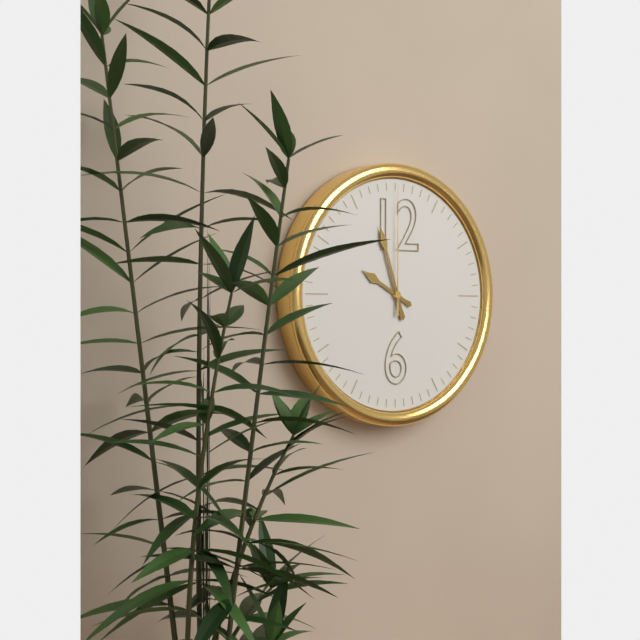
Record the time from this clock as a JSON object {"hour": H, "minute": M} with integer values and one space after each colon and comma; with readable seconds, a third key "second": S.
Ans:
{"hour": 9, "minute": 57, "second": 0}
